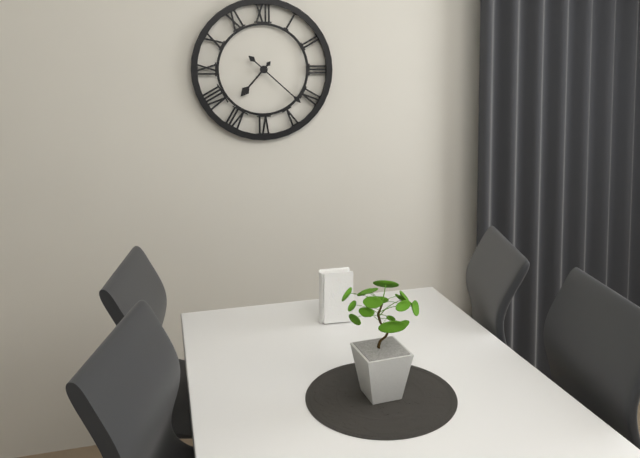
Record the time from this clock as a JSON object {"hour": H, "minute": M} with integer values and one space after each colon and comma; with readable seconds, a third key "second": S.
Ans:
{"hour": 7, "minute": 22}
